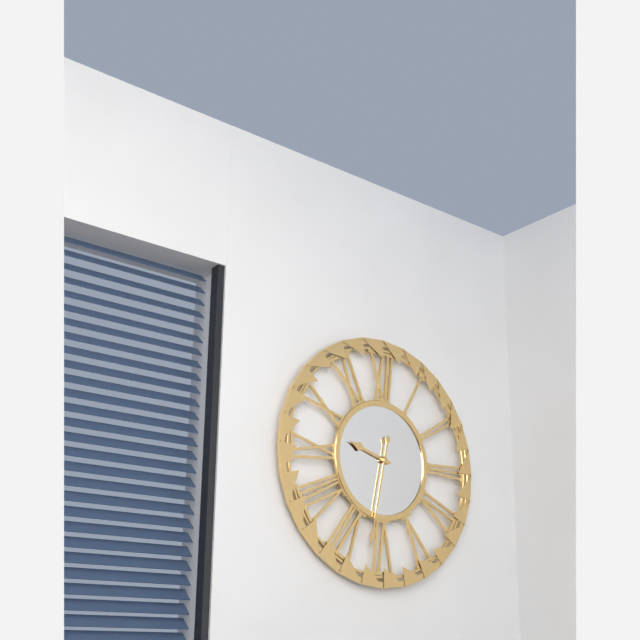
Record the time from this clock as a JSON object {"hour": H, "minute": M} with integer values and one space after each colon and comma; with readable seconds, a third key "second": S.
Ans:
{"hour": 9, "minute": 32}
